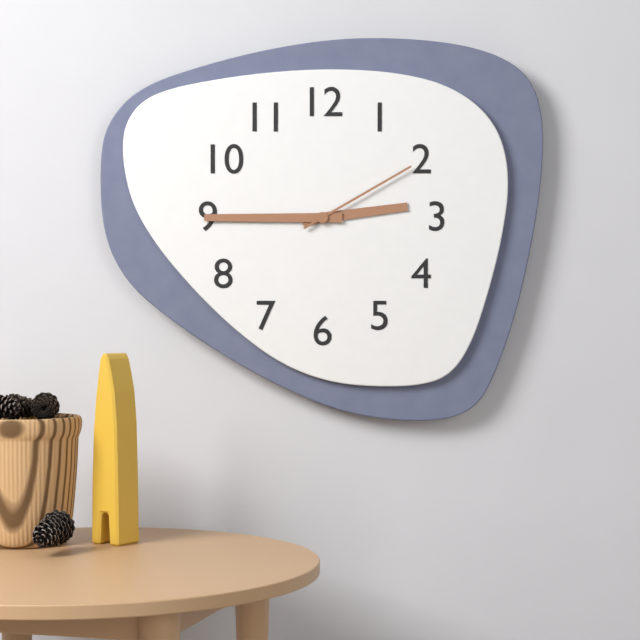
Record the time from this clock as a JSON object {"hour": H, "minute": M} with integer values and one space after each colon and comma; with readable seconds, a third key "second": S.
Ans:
{"hour": 2, "minute": 45, "second": 10}
